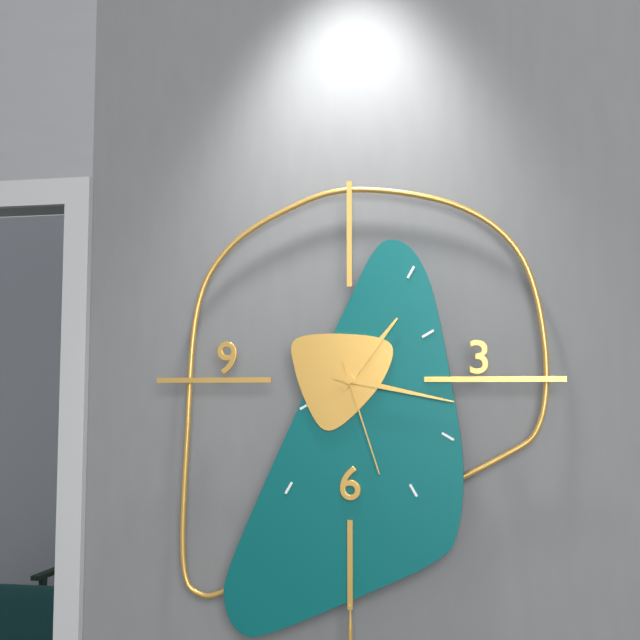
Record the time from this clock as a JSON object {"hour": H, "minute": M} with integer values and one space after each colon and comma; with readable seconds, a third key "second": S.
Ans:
{"hour": 1, "minute": 17, "second": 27}
